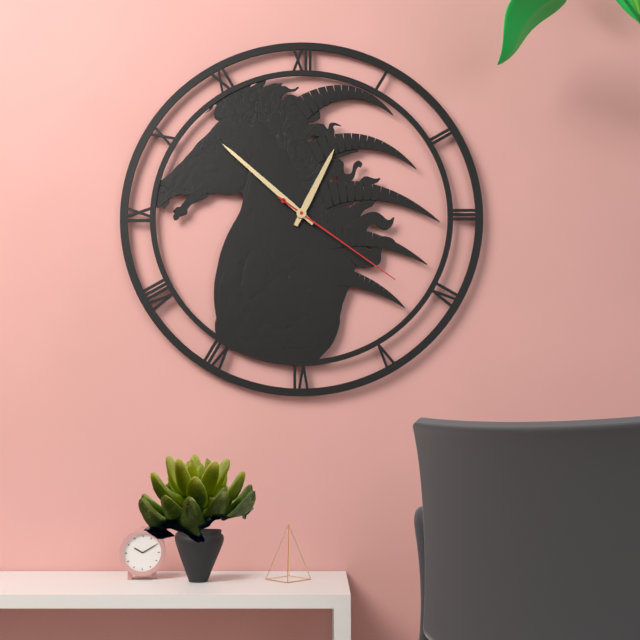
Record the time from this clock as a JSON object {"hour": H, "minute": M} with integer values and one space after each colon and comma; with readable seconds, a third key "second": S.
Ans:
{"hour": 12, "minute": 52, "second": 21}
